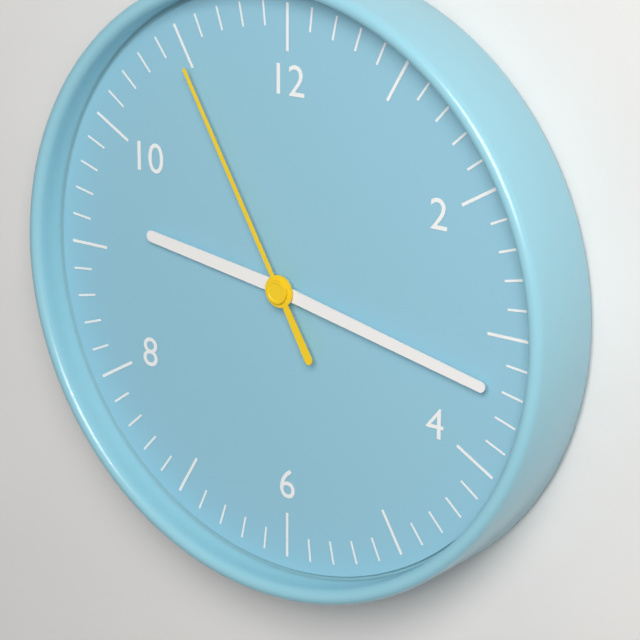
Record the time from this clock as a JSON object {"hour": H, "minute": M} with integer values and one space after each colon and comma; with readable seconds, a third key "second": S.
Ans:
{"hour": 9, "minute": 17, "second": 55}
